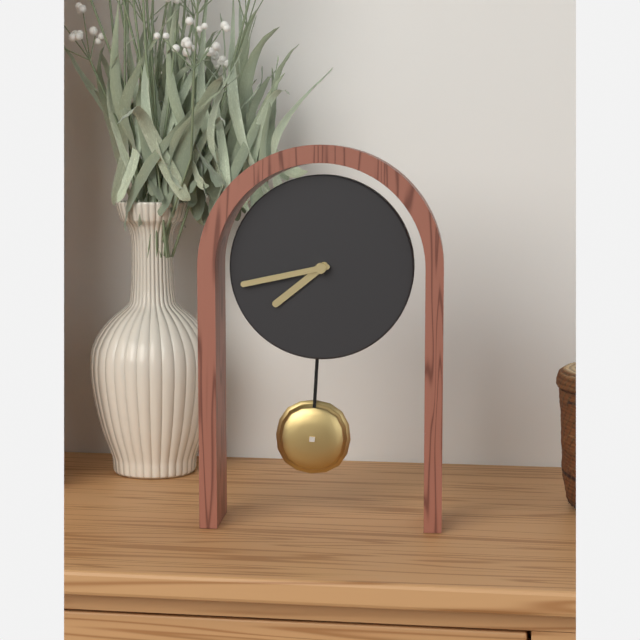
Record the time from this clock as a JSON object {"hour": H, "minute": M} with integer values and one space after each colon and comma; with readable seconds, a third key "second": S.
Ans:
{"hour": 7, "minute": 43}
